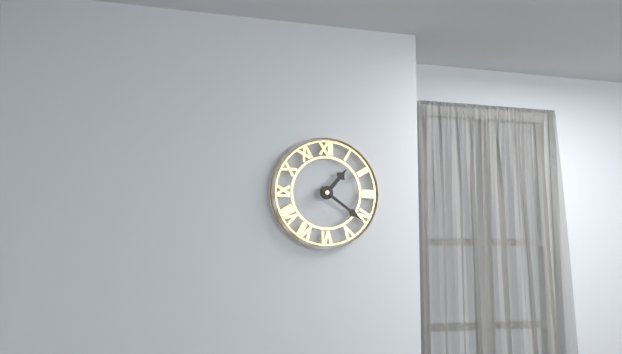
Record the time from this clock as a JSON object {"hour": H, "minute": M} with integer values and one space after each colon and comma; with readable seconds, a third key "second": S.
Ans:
{"hour": 1, "minute": 21}
